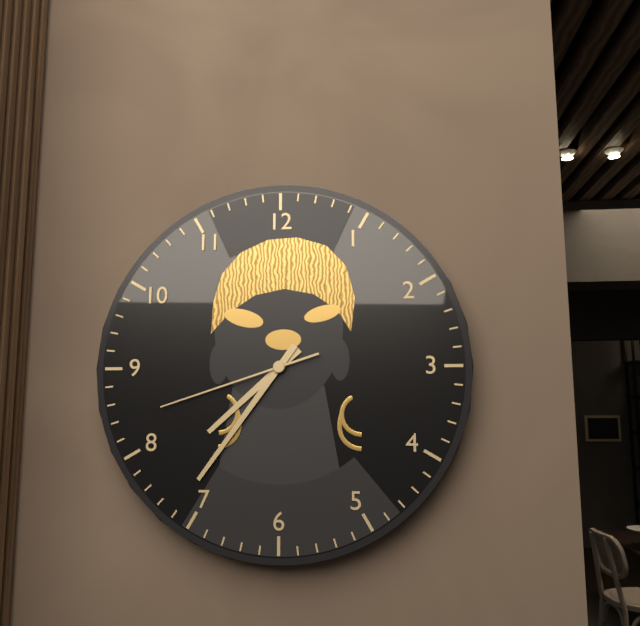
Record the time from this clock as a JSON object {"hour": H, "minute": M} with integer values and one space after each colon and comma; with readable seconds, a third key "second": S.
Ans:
{"hour": 7, "minute": 36, "second": 42}
